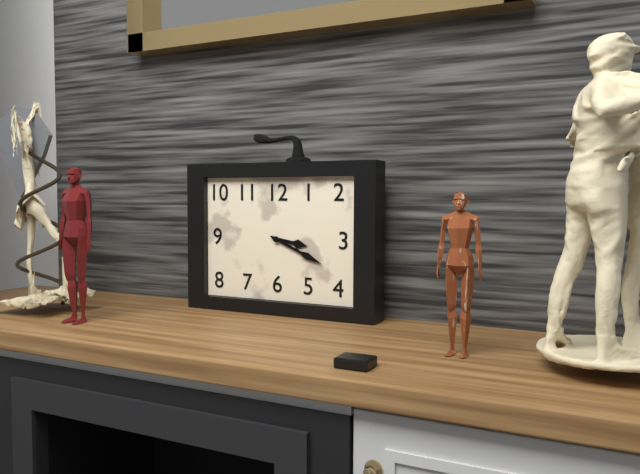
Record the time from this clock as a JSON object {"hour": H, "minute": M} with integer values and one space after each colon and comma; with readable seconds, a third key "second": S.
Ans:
{"hour": 3, "minute": 19}
